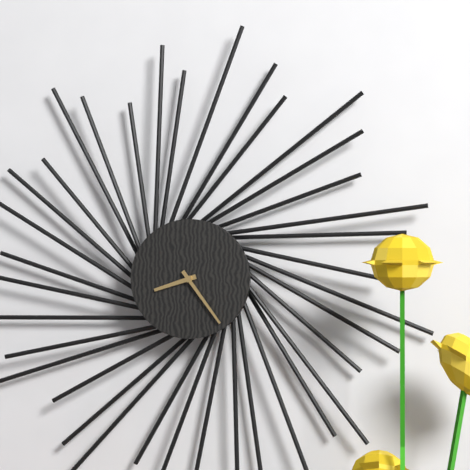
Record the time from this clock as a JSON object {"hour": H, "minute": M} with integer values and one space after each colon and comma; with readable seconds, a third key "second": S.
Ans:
{"hour": 8, "minute": 24}
